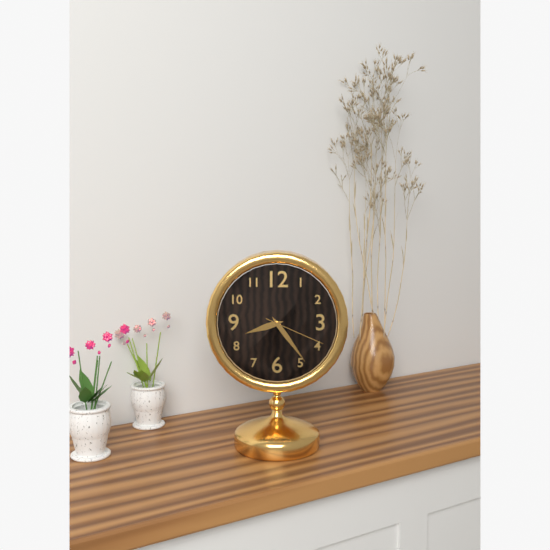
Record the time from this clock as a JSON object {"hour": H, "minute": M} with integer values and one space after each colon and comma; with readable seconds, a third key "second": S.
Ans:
{"hour": 8, "minute": 24, "second": 19}
